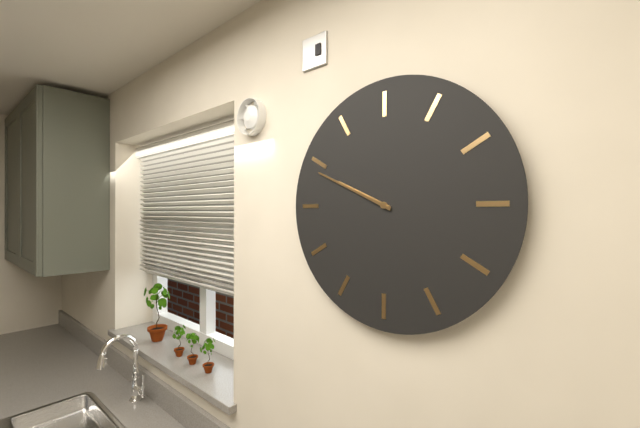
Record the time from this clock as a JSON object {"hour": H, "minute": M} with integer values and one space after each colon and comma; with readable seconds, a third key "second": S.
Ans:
{"hour": 9, "minute": 49}
